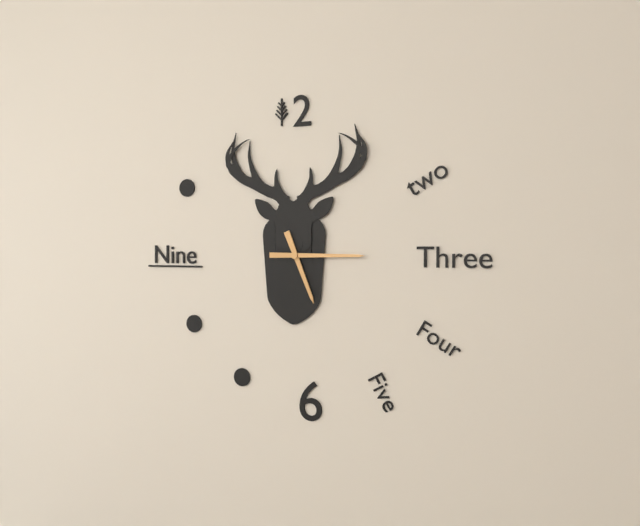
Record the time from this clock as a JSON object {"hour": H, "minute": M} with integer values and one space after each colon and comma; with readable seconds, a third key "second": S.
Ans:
{"hour": 5, "minute": 15}
